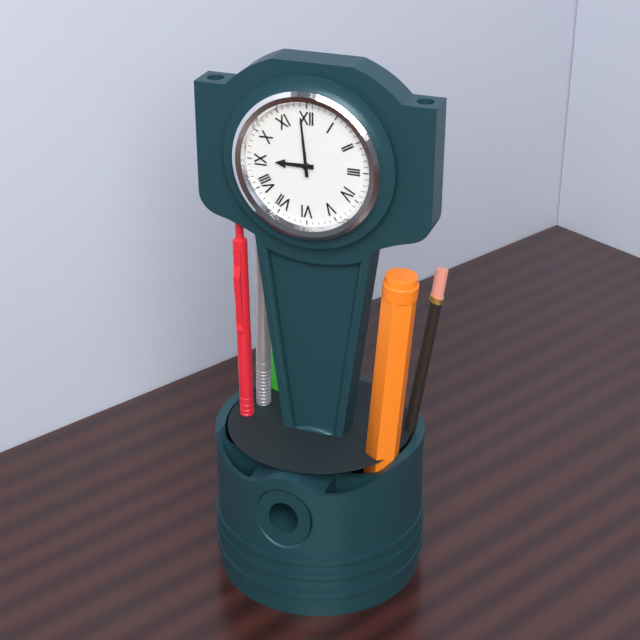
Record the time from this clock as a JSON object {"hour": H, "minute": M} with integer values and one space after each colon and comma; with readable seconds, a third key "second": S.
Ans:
{"hour": 8, "minute": 59}
